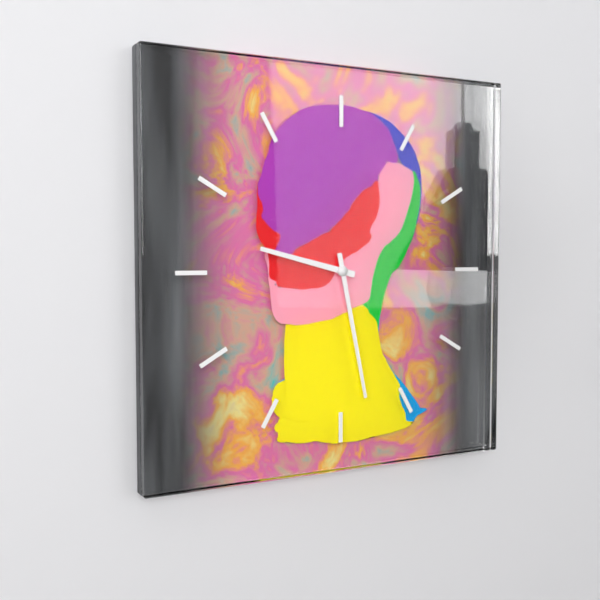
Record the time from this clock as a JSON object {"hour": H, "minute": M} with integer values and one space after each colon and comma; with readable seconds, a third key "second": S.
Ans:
{"hour": 9, "minute": 28}
